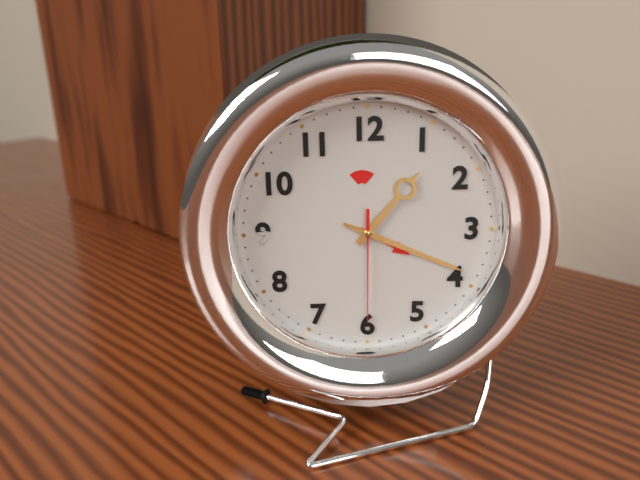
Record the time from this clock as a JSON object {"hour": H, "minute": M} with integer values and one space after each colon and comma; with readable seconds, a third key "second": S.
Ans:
{"hour": 1, "minute": 19, "second": 30}
